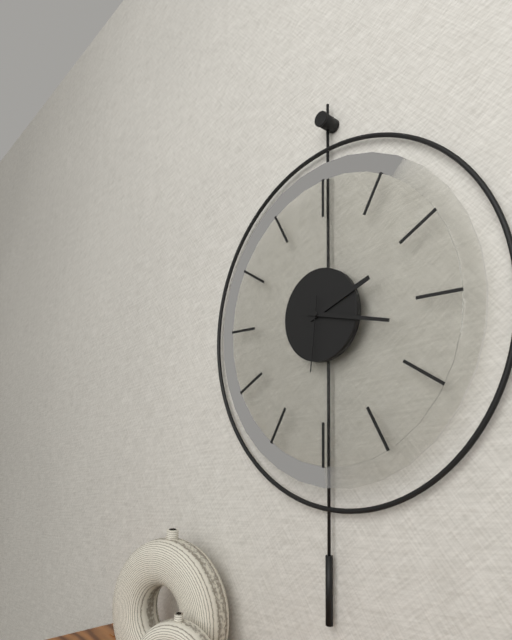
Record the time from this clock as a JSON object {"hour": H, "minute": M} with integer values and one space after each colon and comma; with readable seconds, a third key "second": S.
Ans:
{"hour": 2, "minute": 17, "second": 31}
